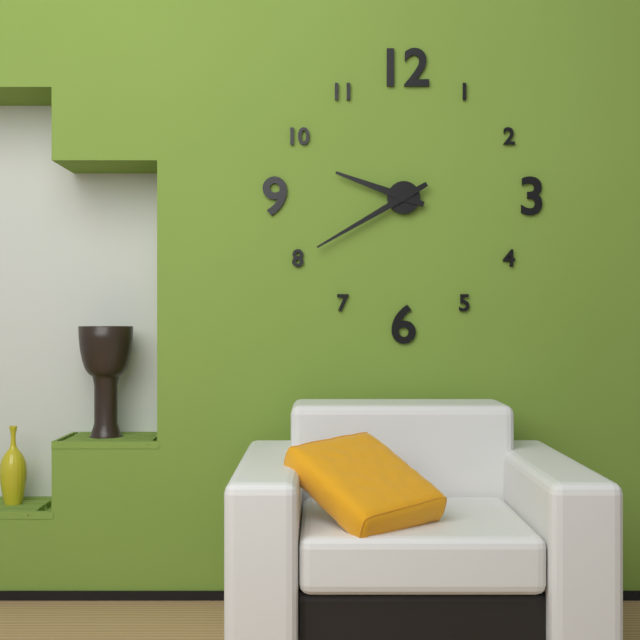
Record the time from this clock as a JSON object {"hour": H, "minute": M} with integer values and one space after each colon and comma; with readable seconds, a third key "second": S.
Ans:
{"hour": 9, "minute": 40}
